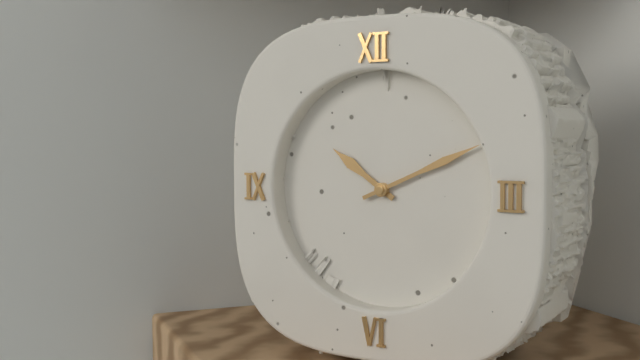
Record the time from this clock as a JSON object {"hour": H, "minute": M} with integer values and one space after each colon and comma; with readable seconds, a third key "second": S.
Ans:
{"hour": 10, "minute": 11}
